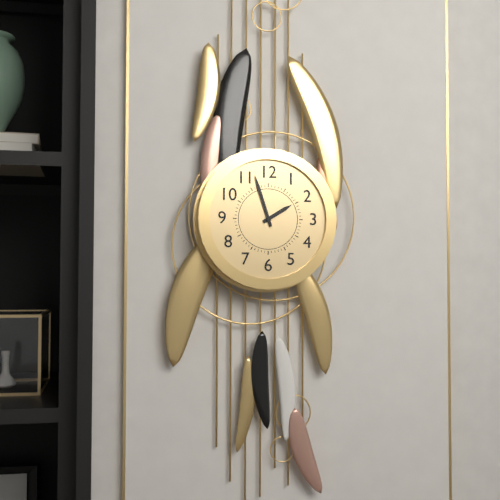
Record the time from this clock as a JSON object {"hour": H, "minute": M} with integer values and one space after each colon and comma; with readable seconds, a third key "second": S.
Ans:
{"hour": 1, "minute": 57}
